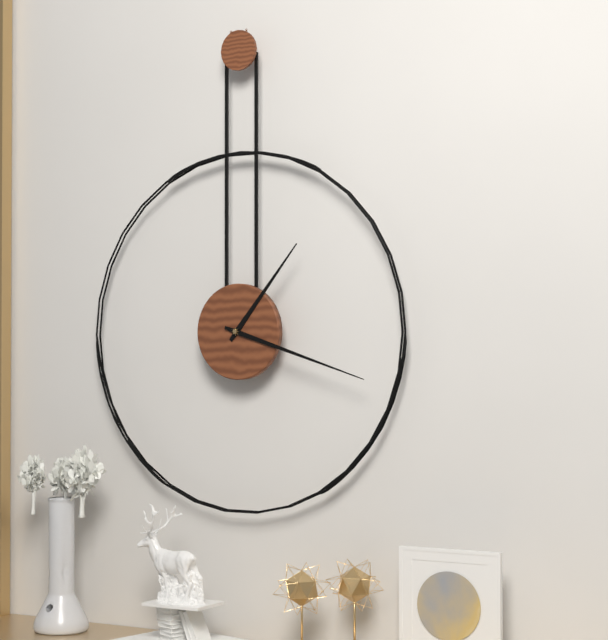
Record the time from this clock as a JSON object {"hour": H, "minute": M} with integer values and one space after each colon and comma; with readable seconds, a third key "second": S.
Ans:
{"hour": 1, "minute": 18}
